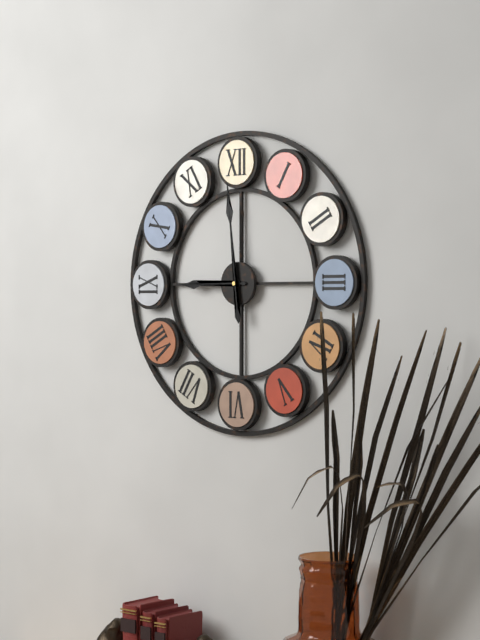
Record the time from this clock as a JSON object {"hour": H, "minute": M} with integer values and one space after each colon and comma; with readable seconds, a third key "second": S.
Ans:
{"hour": 8, "minute": 59}
